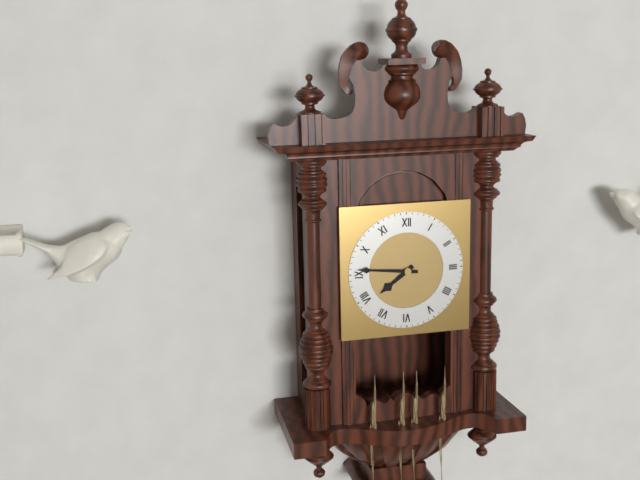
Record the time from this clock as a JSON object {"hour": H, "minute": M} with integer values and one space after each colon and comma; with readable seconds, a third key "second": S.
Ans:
{"hour": 7, "minute": 46}
